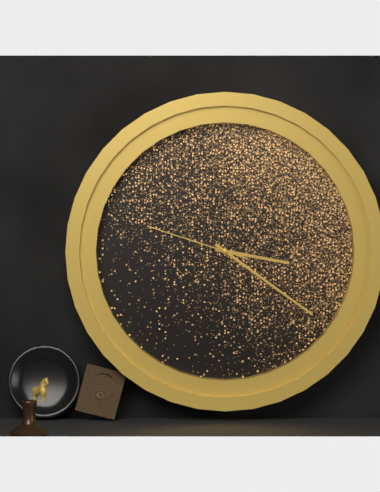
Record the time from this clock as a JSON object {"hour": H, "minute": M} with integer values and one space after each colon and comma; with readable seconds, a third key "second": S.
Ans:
{"hour": 3, "minute": 21, "second": 48}
